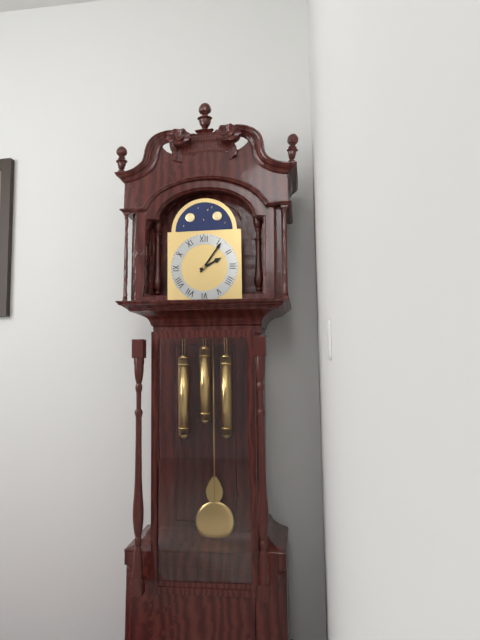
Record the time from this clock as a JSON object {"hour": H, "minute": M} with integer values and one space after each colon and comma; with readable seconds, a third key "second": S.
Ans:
{"hour": 2, "minute": 6}
